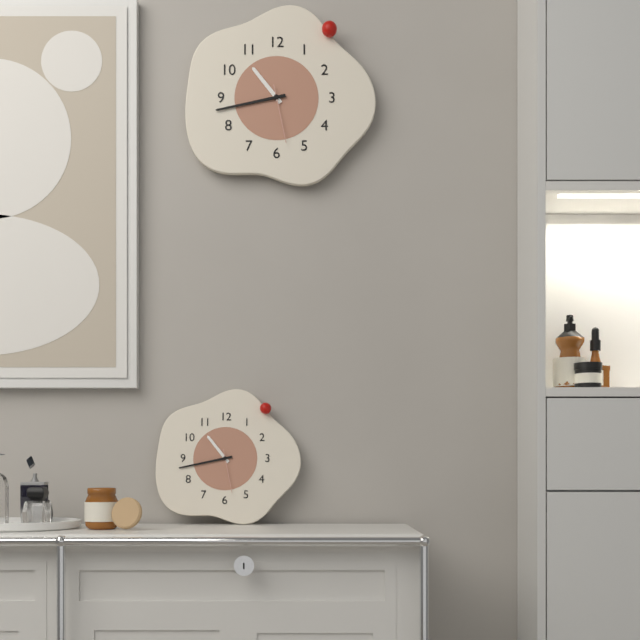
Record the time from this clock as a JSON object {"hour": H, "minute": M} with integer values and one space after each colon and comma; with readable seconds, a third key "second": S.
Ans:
{"hour": 10, "minute": 43, "second": 28}
